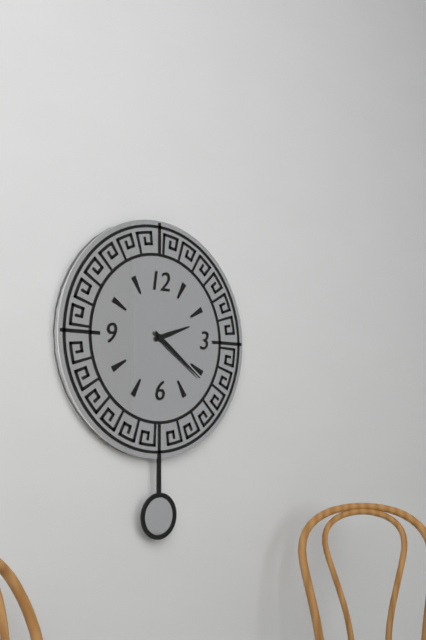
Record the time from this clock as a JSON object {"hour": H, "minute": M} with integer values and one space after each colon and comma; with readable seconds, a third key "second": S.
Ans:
{"hour": 2, "minute": 21}
